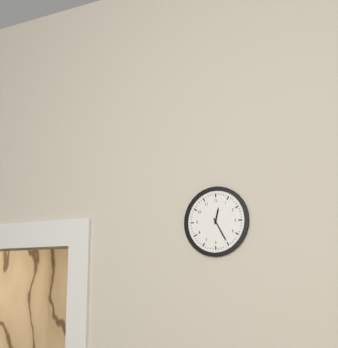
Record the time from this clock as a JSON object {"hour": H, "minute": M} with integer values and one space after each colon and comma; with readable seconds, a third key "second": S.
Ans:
{"hour": 12, "minute": 25}
